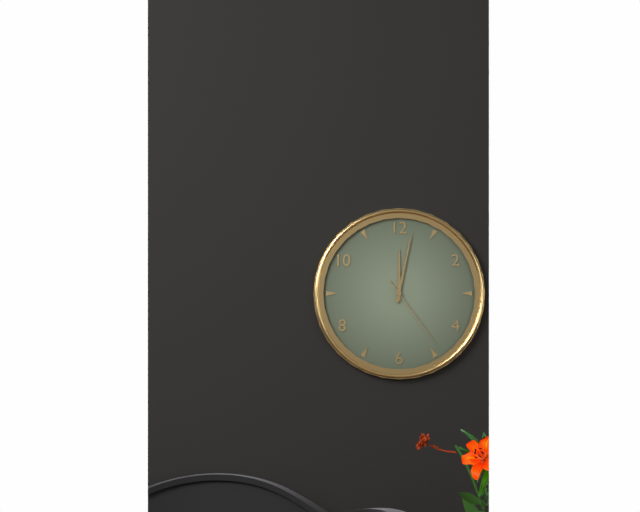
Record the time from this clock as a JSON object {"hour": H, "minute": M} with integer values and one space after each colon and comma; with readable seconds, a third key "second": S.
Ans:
{"hour": 12, "minute": 2, "second": 24}
